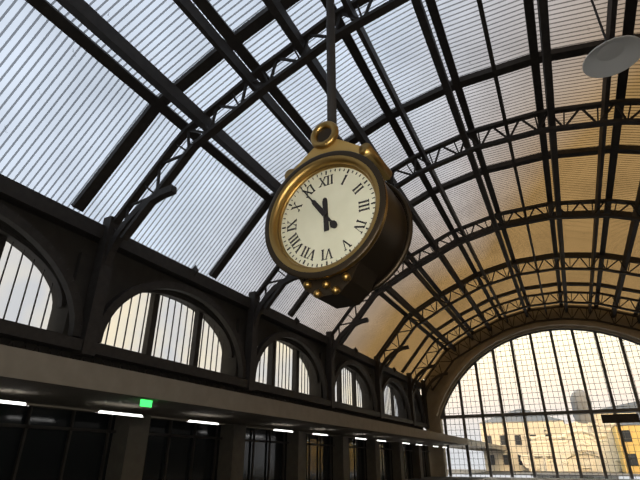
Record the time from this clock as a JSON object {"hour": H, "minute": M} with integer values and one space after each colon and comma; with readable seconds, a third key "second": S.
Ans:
{"hour": 11, "minute": 54}
